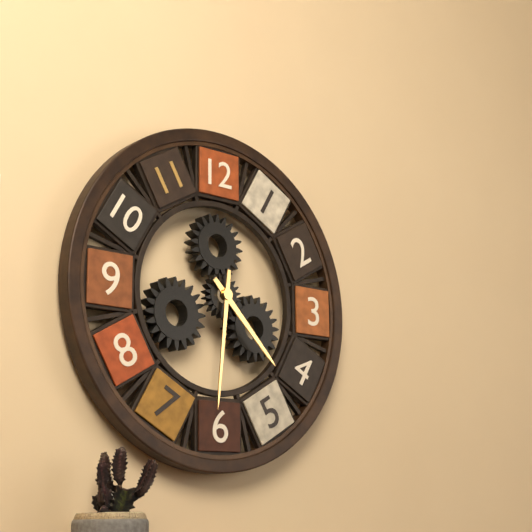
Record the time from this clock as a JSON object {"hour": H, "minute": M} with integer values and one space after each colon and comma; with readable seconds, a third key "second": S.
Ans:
{"hour": 4, "minute": 31}
